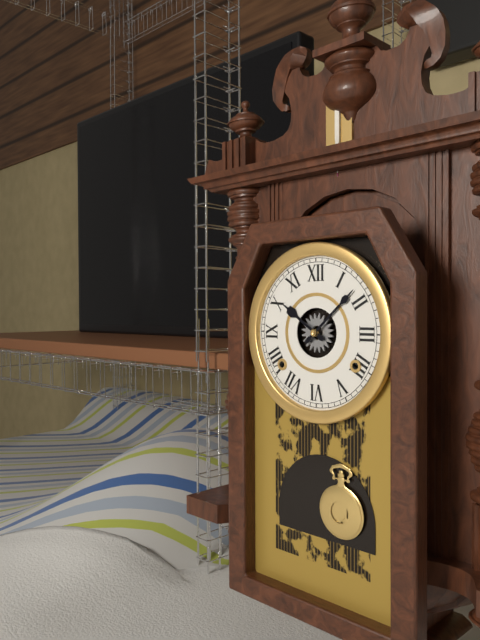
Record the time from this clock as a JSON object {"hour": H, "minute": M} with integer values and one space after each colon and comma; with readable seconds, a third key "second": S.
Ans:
{"hour": 10, "minute": 8}
